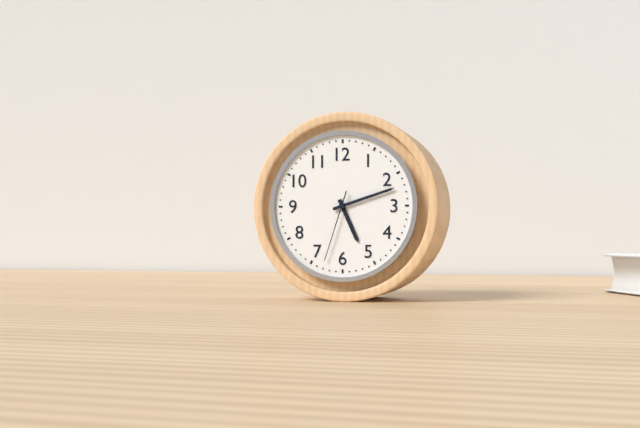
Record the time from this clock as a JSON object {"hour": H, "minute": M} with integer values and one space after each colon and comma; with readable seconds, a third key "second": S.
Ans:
{"hour": 5, "minute": 12, "second": 33}
